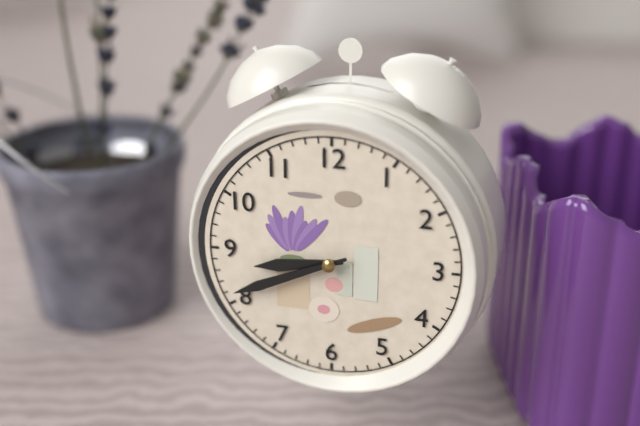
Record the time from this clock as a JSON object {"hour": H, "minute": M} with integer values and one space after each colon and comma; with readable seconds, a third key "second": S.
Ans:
{"hour": 8, "minute": 41}
